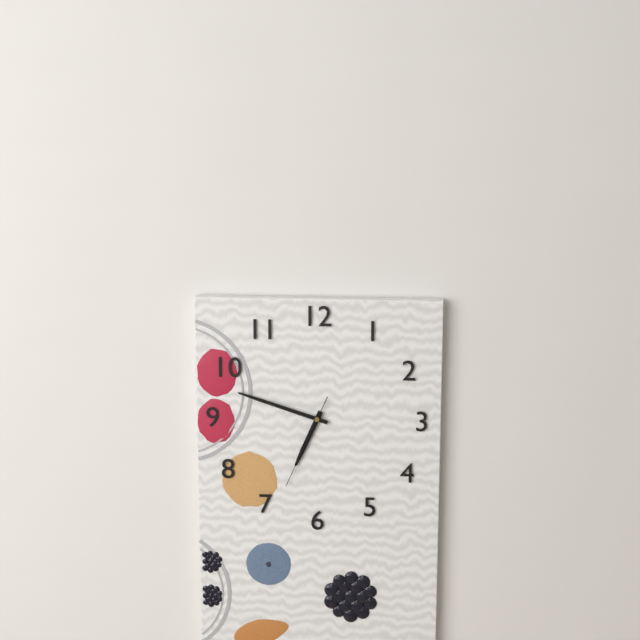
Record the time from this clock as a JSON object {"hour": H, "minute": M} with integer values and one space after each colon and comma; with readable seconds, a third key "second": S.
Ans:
{"hour": 6, "minute": 48, "second": 34}
